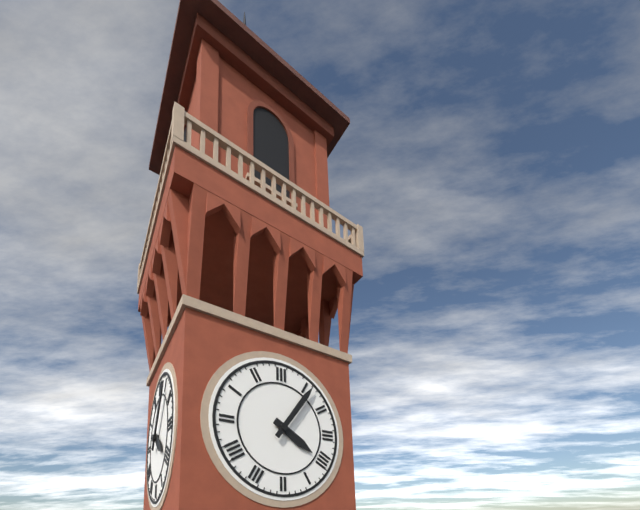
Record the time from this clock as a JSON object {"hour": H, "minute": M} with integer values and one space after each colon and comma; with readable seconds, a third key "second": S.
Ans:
{"hour": 4, "minute": 6}
